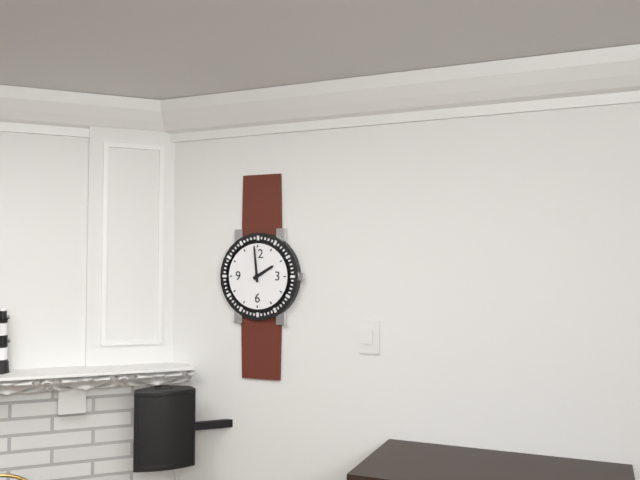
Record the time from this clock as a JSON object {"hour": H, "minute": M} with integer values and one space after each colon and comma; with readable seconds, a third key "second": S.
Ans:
{"hour": 1, "minute": 59}
